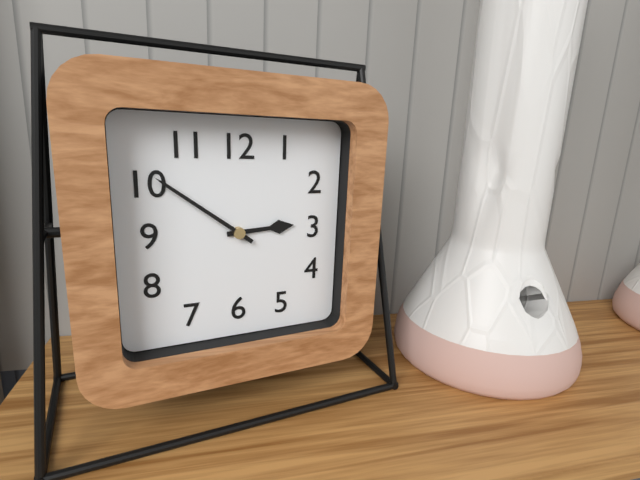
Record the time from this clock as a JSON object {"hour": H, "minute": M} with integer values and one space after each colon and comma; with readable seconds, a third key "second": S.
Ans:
{"hour": 2, "minute": 51}
